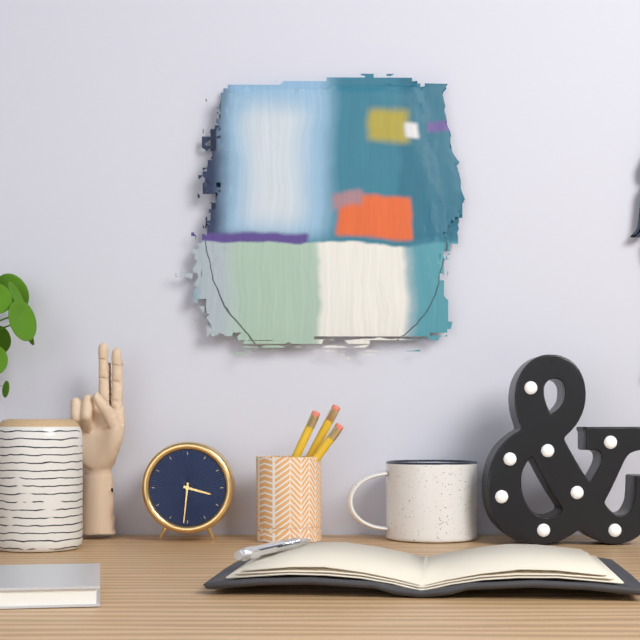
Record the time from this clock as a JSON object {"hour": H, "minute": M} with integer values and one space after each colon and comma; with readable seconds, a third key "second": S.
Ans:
{"hour": 3, "minute": 31}
